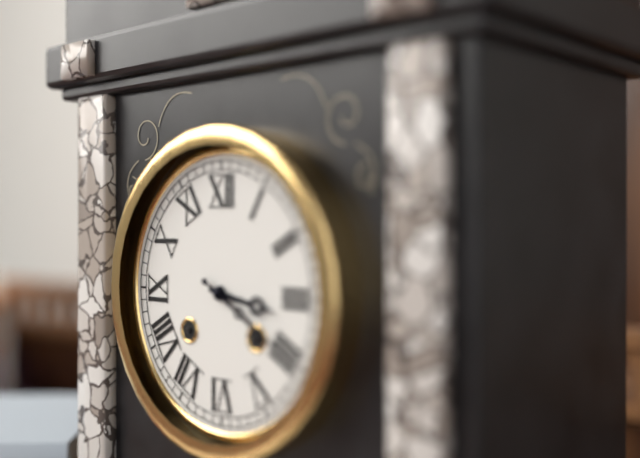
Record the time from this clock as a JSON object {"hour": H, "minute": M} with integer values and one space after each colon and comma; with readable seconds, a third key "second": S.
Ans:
{"hour": 3, "minute": 20}
